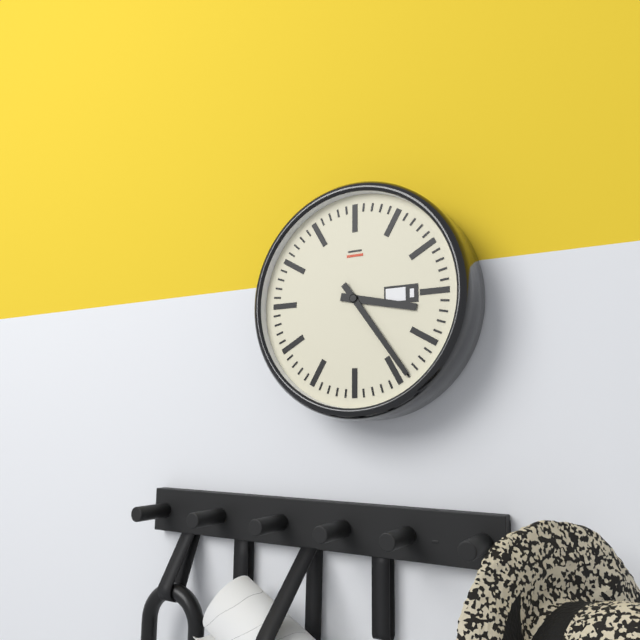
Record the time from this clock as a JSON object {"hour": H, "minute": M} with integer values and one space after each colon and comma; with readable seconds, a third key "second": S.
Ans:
{"hour": 3, "minute": 24}
